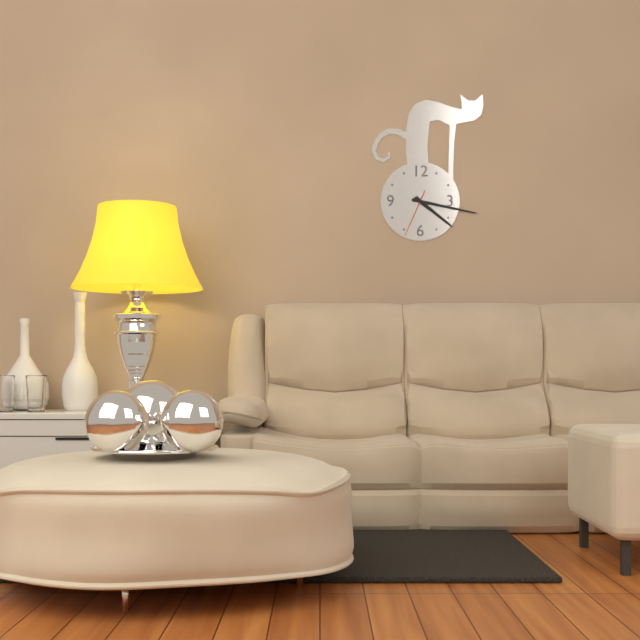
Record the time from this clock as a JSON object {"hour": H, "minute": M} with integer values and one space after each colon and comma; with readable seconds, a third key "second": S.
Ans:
{"hour": 4, "minute": 17}
